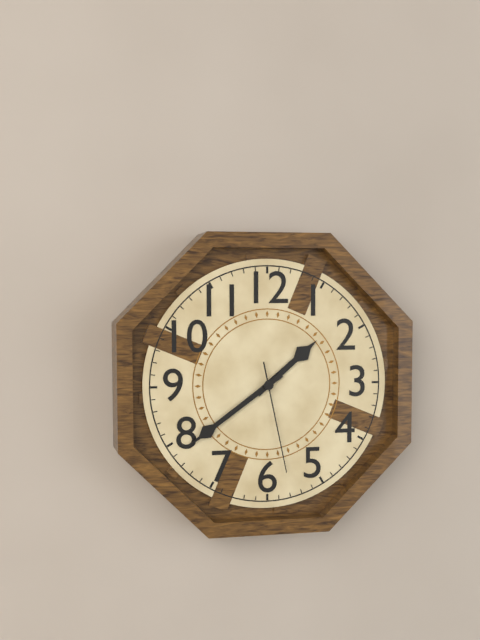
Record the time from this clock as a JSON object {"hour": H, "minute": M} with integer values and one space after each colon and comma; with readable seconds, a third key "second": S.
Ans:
{"hour": 1, "minute": 39, "second": 28}
